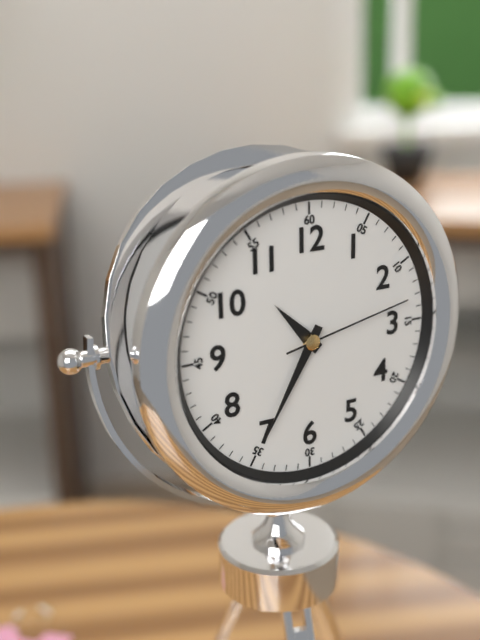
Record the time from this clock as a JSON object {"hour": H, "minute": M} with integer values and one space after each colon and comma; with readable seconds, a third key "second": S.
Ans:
{"hour": 10, "minute": 35, "second": 13}
